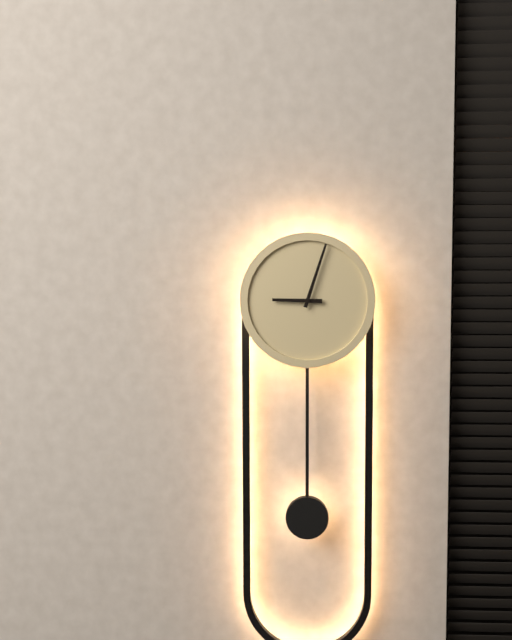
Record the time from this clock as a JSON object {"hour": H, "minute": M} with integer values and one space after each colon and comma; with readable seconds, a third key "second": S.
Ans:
{"hour": 9, "minute": 3}
